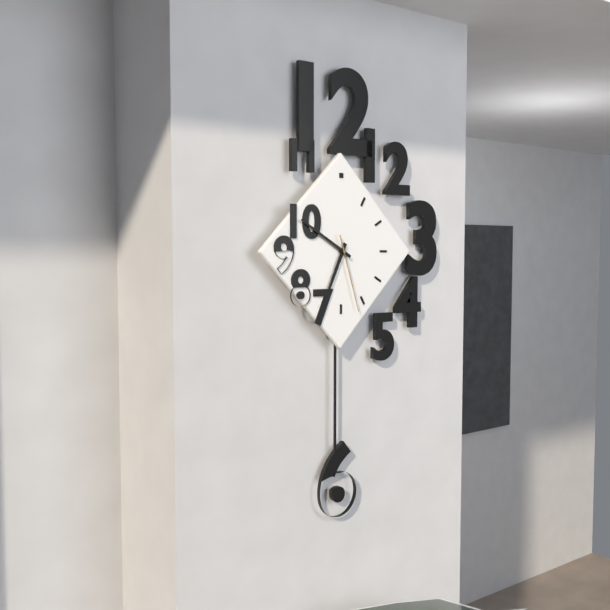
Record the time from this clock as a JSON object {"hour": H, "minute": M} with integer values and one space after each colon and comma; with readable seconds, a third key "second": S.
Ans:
{"hour": 6, "minute": 50, "second": 27}
